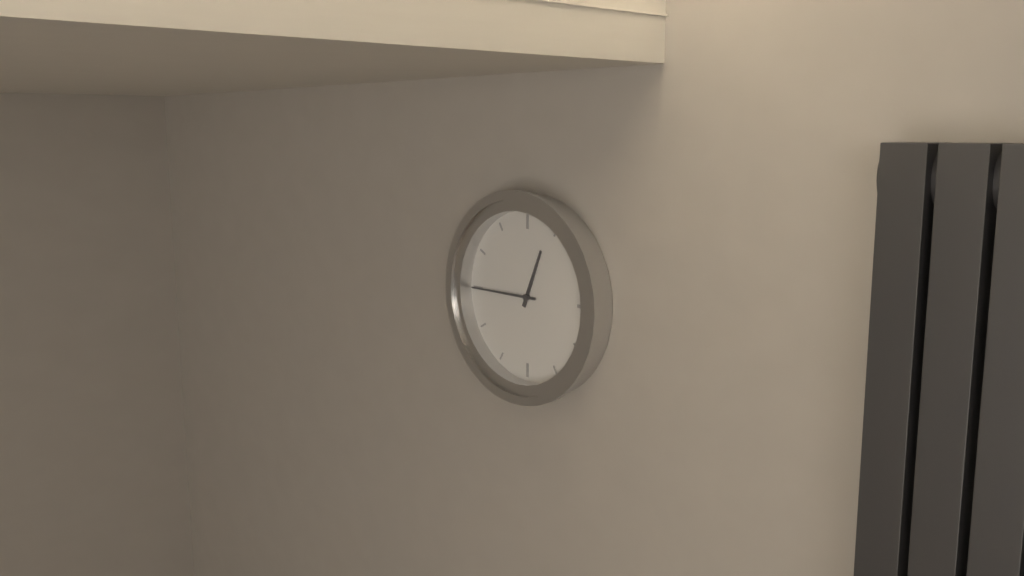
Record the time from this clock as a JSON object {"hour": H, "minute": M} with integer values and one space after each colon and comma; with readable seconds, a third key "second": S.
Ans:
{"hour": 12, "minute": 45}
